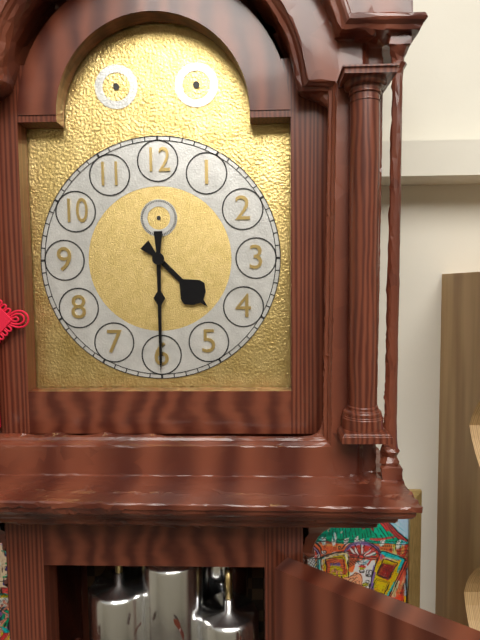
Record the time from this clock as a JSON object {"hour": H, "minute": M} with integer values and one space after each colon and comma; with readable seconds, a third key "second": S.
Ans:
{"hour": 4, "minute": 30}
